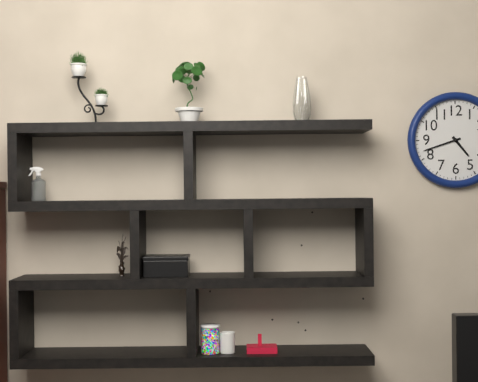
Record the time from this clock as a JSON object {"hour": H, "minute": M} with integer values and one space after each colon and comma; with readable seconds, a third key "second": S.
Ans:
{"hour": 4, "minute": 42}
